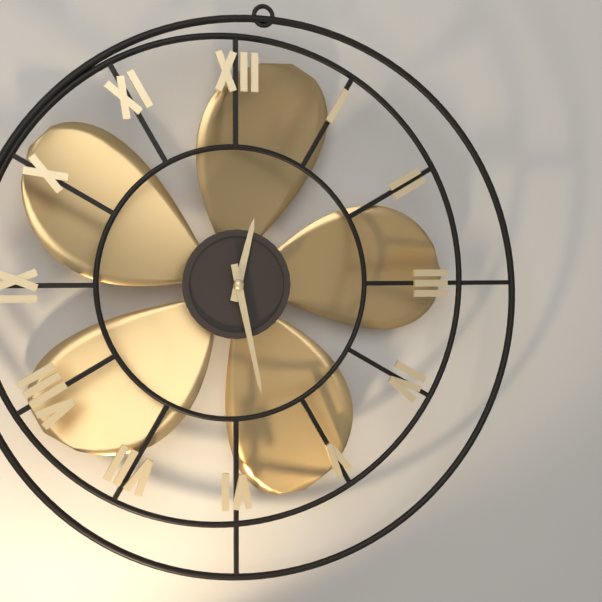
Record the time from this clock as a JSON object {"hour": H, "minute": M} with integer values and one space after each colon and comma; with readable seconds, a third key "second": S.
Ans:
{"hour": 12, "minute": 28}
